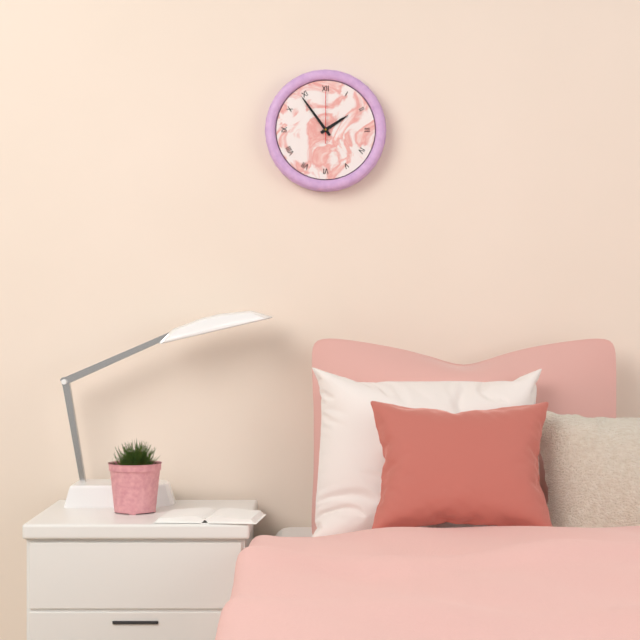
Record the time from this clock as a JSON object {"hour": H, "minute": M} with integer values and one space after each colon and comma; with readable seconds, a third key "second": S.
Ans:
{"hour": 1, "minute": 54}
